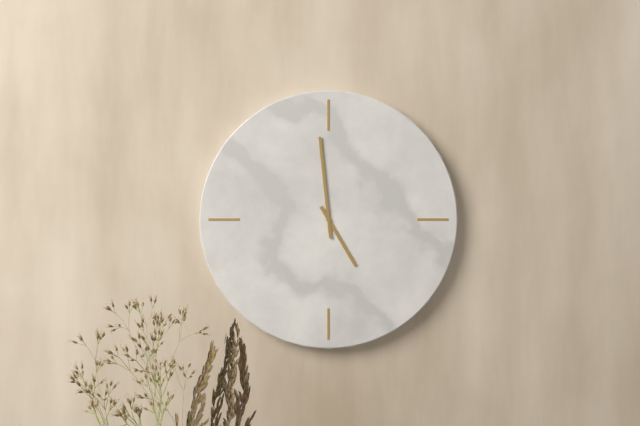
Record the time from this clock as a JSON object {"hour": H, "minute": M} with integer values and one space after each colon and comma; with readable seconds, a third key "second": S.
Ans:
{"hour": 4, "minute": 59}
